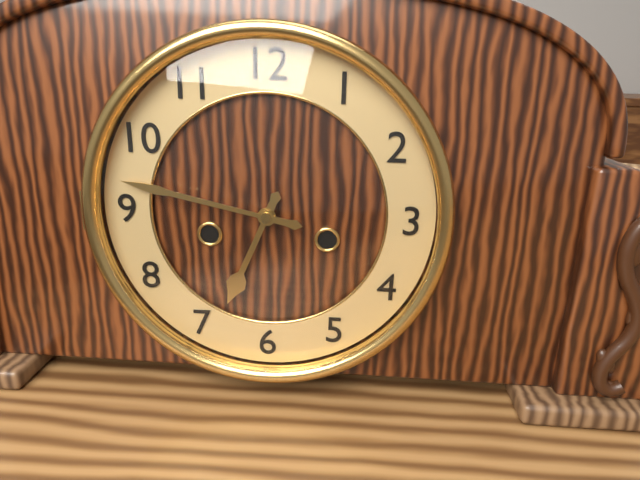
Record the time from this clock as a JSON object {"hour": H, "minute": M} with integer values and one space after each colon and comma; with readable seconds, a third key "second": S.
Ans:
{"hour": 6, "minute": 47}
